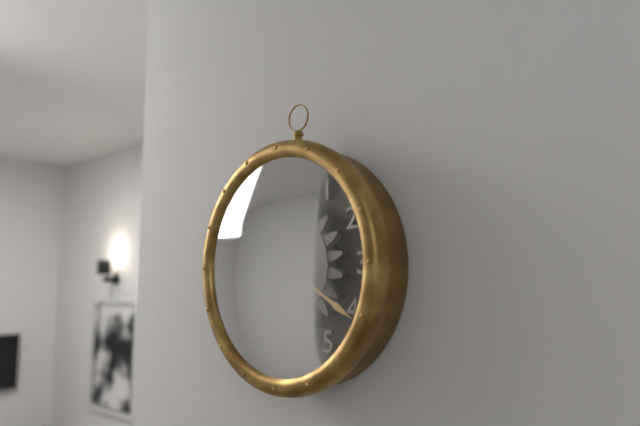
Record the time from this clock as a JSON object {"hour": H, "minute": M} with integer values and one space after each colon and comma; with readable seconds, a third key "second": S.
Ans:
{"hour": 6, "minute": 20}
